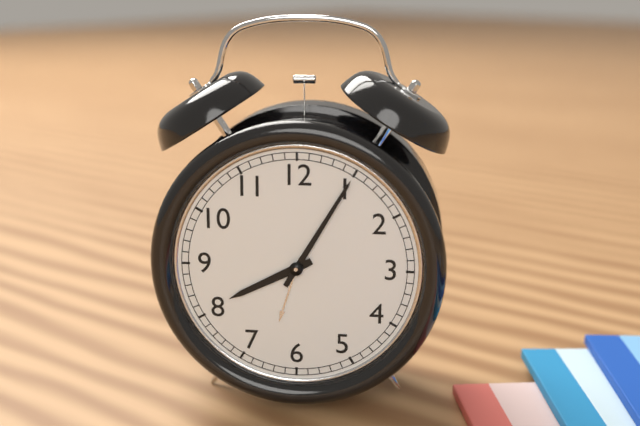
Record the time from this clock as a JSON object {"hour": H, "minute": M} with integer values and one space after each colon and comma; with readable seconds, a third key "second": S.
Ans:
{"hour": 8, "minute": 5}
